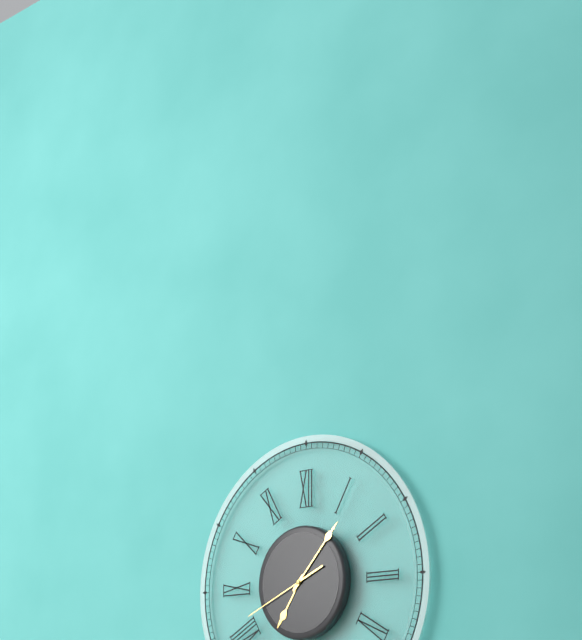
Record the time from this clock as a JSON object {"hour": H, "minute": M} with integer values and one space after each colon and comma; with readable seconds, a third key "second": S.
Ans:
{"hour": 7, "minute": 7, "second": 41}
